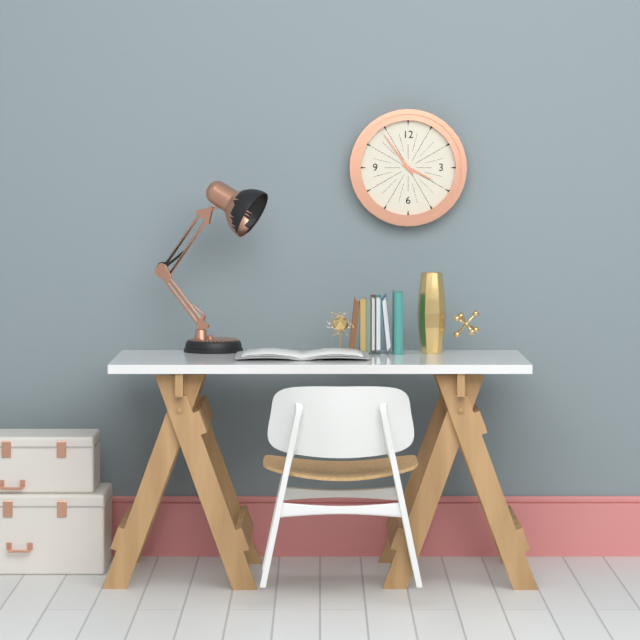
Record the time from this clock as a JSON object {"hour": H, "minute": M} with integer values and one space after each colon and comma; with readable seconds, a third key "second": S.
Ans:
{"hour": 3, "minute": 54}
